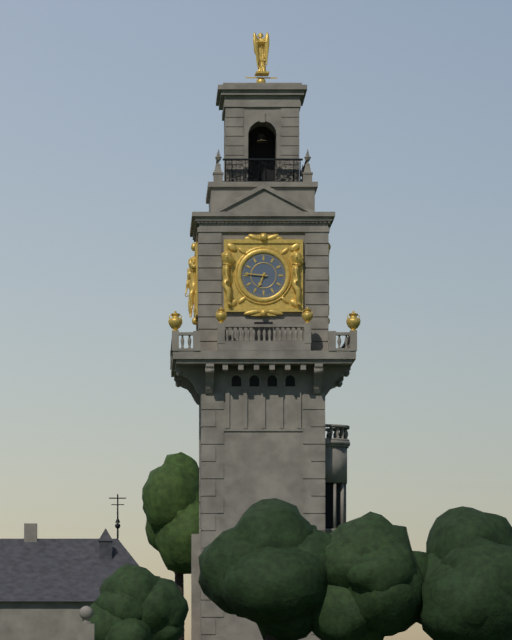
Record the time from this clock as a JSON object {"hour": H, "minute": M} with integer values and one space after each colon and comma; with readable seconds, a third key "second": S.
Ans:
{"hour": 6, "minute": 46}
